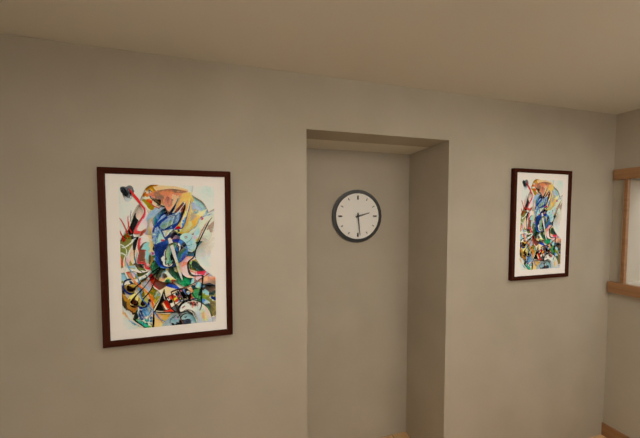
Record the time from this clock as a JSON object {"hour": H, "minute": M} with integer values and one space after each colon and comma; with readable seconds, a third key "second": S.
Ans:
{"hour": 2, "minute": 29}
